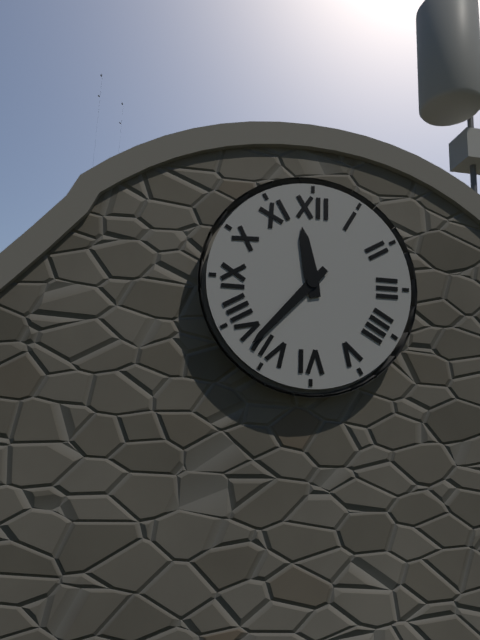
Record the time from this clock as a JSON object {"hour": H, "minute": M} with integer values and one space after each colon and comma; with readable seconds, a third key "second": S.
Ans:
{"hour": 11, "minute": 37}
